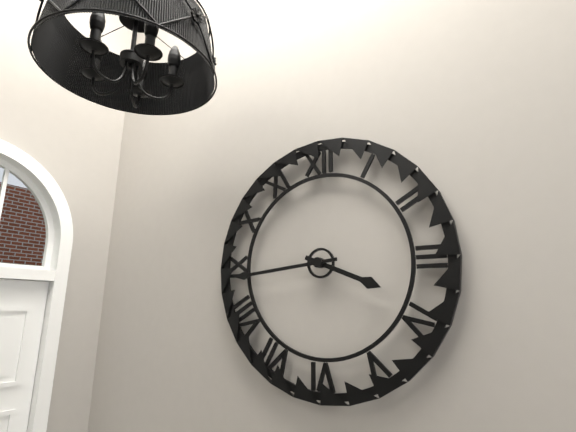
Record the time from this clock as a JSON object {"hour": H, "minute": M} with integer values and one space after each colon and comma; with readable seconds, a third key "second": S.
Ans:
{"hour": 3, "minute": 44}
